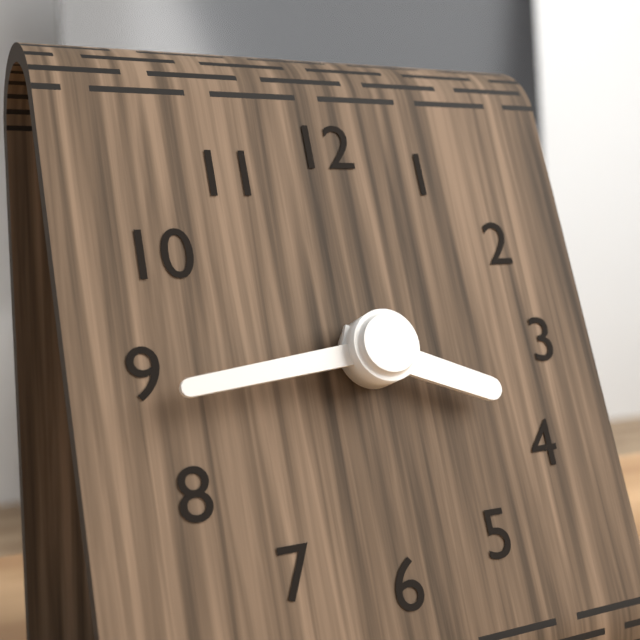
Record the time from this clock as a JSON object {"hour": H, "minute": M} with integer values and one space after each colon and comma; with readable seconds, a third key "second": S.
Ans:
{"hour": 3, "minute": 44}
